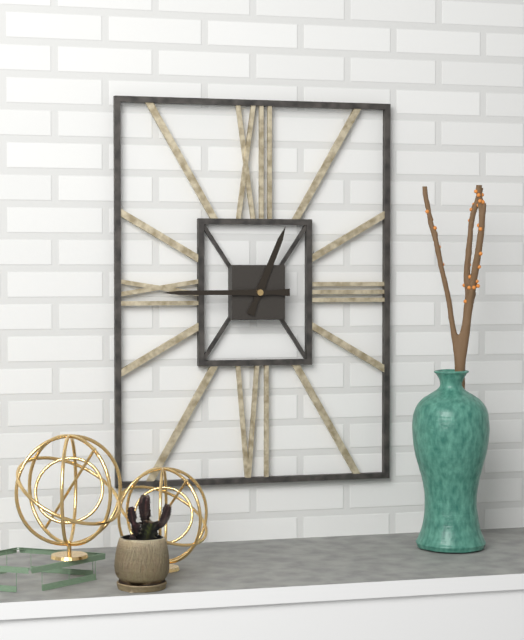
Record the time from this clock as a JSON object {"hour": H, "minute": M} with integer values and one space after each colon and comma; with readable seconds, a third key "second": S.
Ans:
{"hour": 12, "minute": 45}
